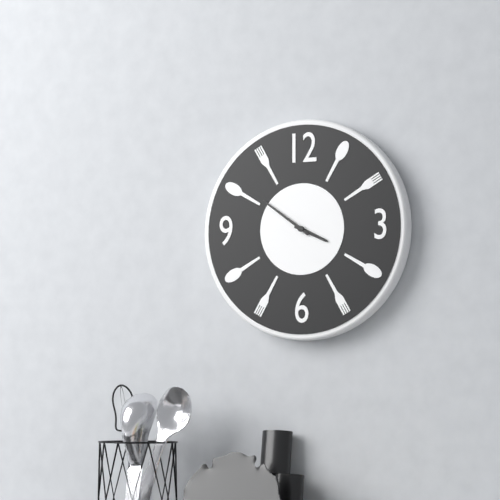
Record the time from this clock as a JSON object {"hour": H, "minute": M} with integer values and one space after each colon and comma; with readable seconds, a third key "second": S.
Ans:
{"hour": 3, "minute": 51}
